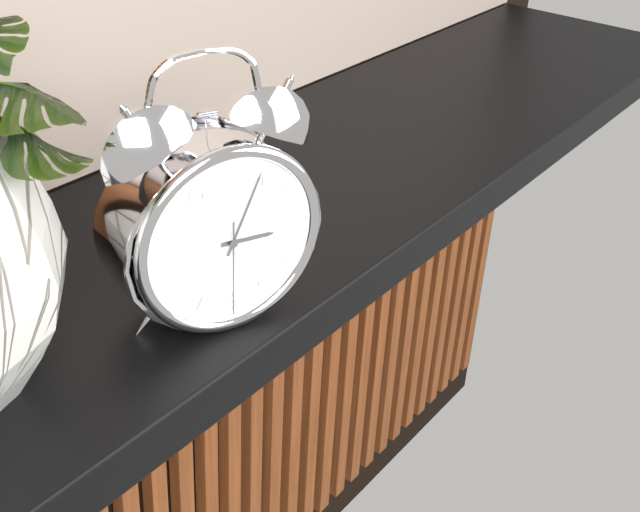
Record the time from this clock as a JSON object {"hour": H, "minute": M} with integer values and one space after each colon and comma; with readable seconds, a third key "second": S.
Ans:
{"hour": 3, "minute": 4, "second": 30}
